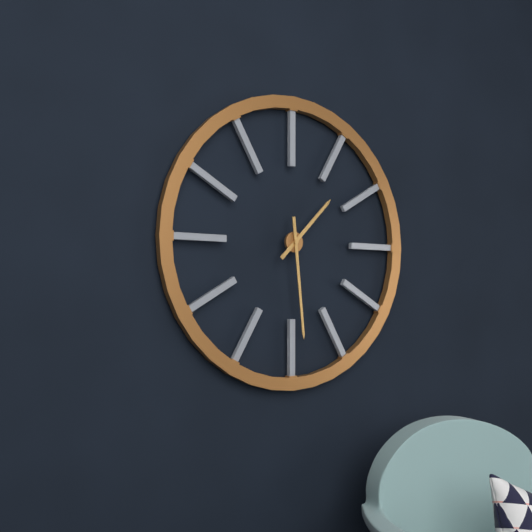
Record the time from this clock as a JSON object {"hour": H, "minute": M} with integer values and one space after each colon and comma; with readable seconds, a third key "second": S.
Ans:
{"hour": 1, "minute": 29}
